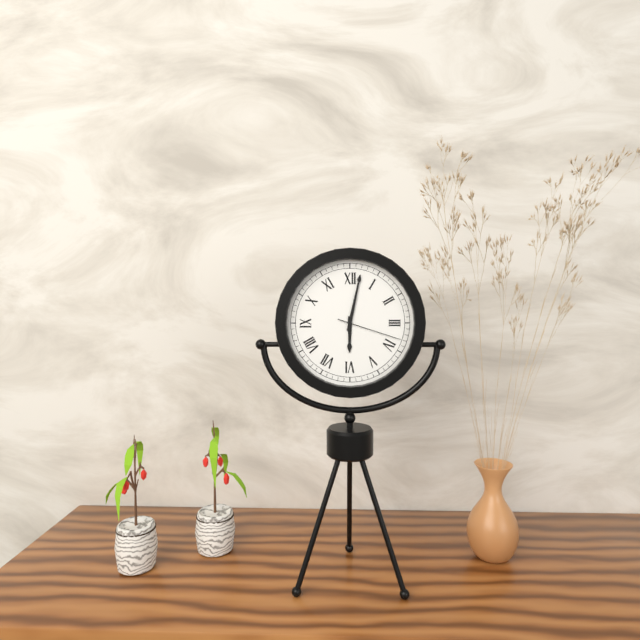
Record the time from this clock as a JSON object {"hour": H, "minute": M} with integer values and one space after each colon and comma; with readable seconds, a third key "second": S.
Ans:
{"hour": 6, "minute": 2, "second": 18}
